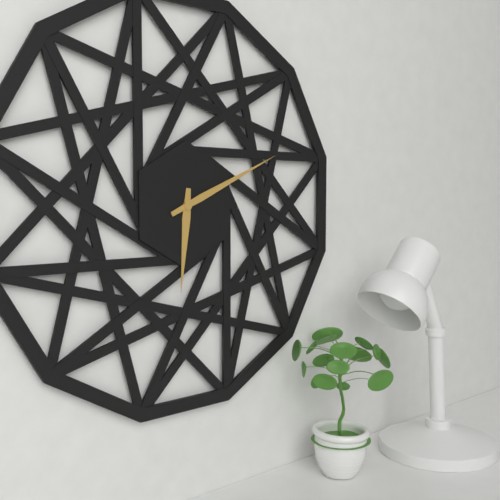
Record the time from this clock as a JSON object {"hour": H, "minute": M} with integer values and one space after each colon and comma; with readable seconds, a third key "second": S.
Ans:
{"hour": 6, "minute": 11}
